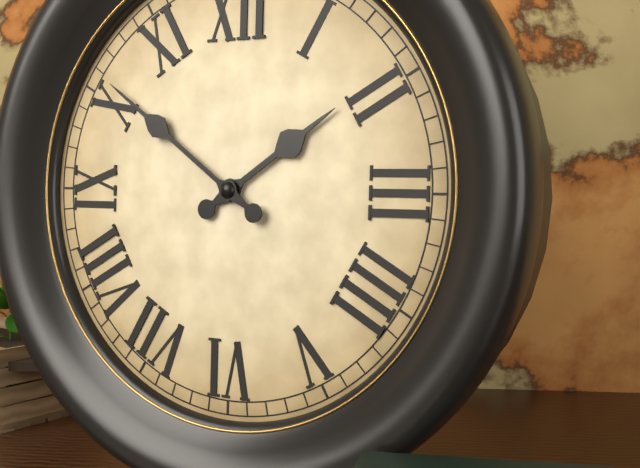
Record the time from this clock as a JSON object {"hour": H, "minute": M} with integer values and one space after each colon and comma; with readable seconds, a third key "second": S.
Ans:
{"hour": 1, "minute": 51}
